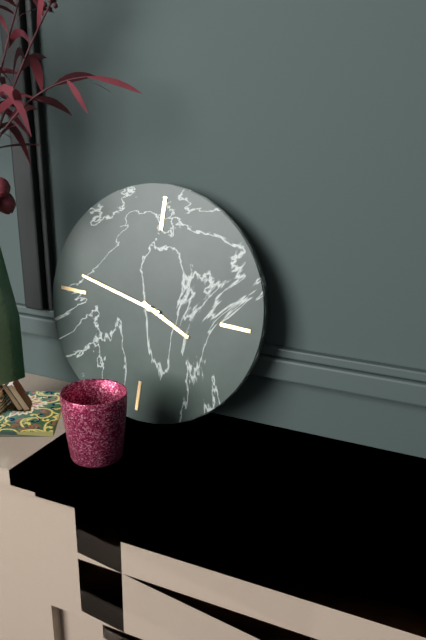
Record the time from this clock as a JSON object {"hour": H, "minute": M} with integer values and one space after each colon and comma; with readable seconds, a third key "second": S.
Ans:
{"hour": 3, "minute": 47}
